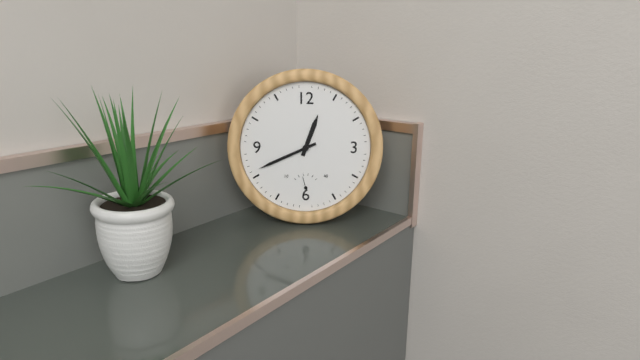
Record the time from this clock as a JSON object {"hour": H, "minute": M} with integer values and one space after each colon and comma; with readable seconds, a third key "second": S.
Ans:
{"hour": 12, "minute": 41}
